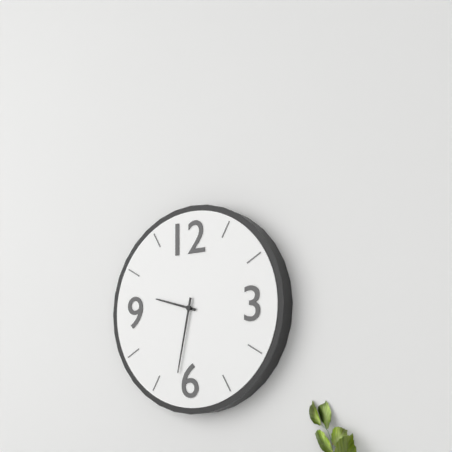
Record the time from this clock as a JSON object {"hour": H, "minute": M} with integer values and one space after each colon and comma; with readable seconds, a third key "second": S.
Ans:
{"hour": 9, "minute": 32}
